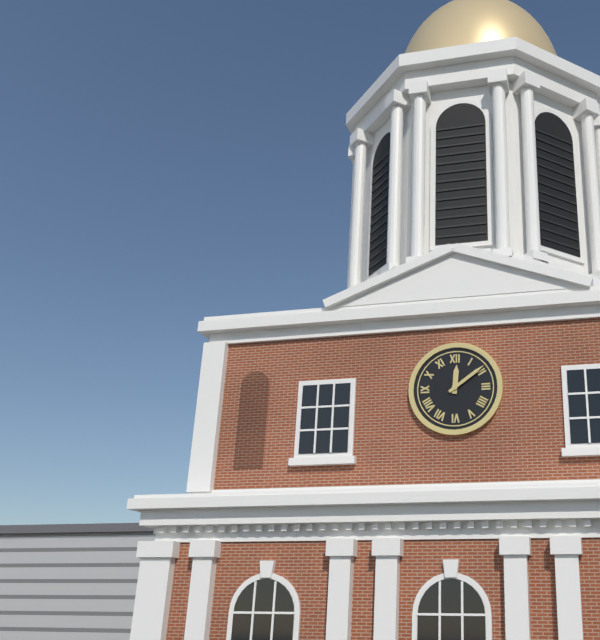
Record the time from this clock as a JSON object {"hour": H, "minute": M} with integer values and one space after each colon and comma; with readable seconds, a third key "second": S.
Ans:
{"hour": 12, "minute": 9}
